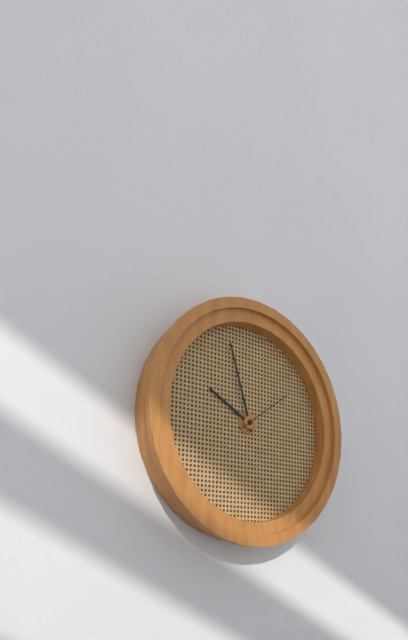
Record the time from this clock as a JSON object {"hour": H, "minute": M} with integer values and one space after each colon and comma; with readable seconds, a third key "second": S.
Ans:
{"hour": 9, "minute": 57, "second": 9}
